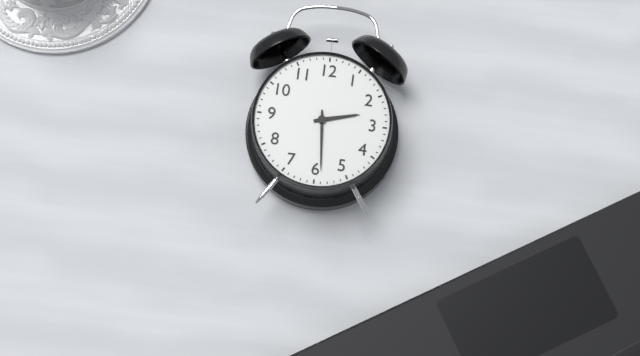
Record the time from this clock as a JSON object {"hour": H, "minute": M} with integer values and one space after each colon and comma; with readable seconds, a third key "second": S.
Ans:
{"hour": 2, "minute": 29}
